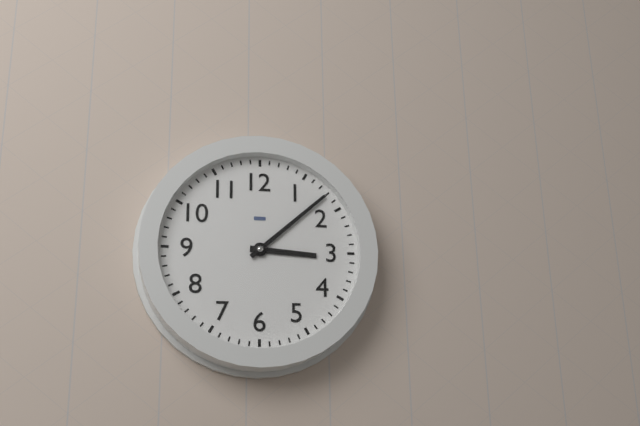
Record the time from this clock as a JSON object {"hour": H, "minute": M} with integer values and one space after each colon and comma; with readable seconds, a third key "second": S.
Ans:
{"hour": 3, "minute": 8}
